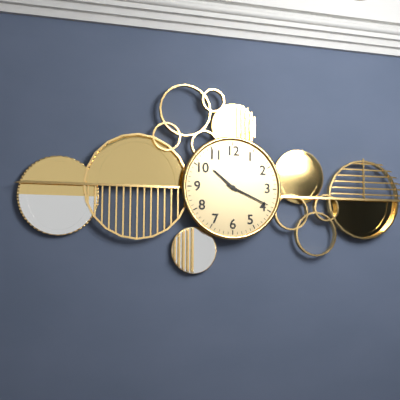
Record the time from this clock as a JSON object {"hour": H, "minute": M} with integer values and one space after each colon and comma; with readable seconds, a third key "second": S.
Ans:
{"hour": 10, "minute": 19}
